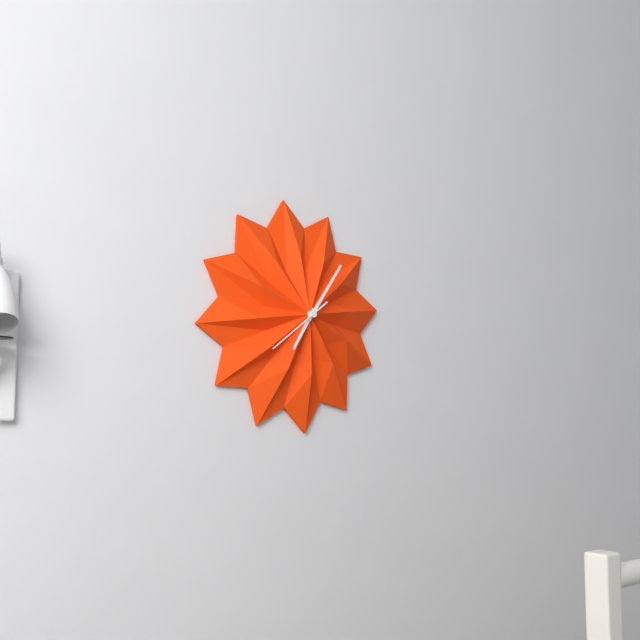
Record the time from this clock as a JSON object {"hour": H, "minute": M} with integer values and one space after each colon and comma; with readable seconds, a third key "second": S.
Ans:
{"hour": 7, "minute": 6, "second": 39}
